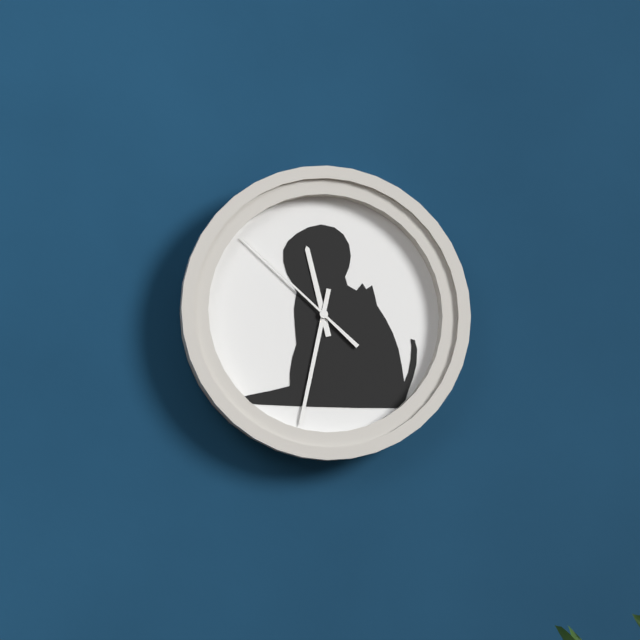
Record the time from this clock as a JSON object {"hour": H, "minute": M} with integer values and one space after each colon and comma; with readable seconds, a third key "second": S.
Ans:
{"hour": 11, "minute": 32, "second": 52}
